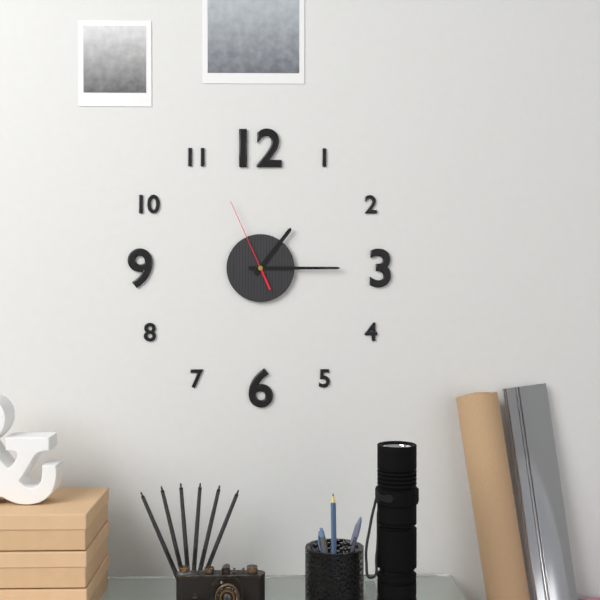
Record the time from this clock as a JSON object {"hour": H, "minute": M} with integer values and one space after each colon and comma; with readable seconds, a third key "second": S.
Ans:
{"hour": 1, "minute": 15, "second": 56}
